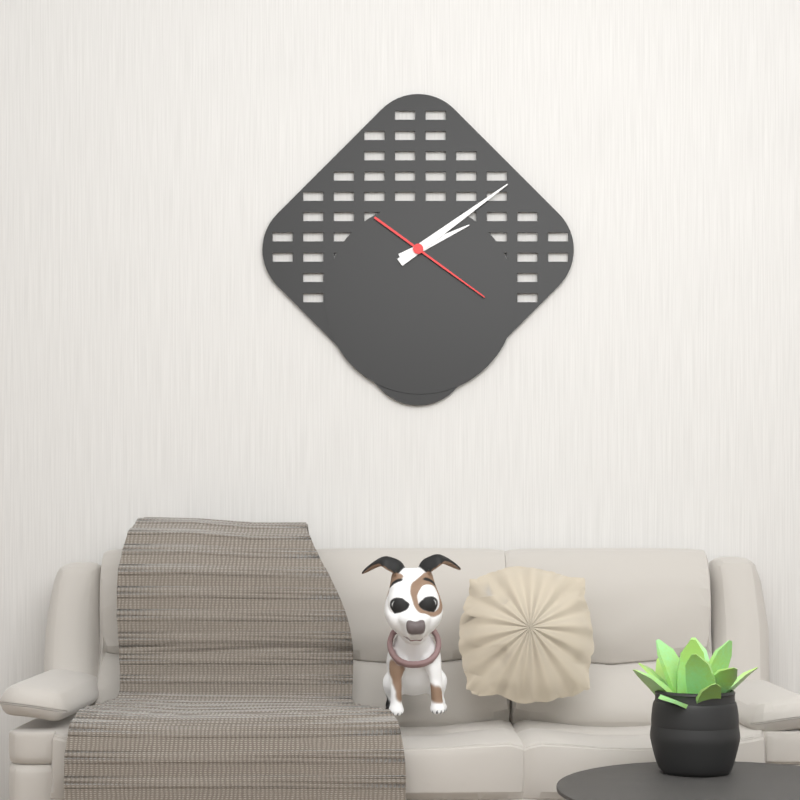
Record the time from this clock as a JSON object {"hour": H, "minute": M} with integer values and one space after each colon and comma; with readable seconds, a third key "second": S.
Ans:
{"hour": 2, "minute": 9, "second": 21}
